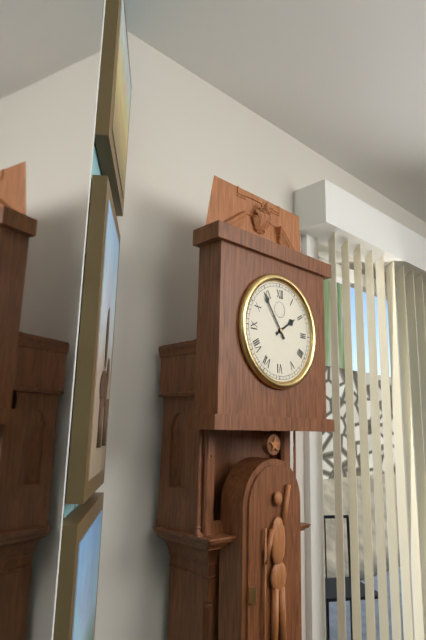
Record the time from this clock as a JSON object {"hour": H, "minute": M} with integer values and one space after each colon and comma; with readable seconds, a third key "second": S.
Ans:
{"hour": 1, "minute": 54}
